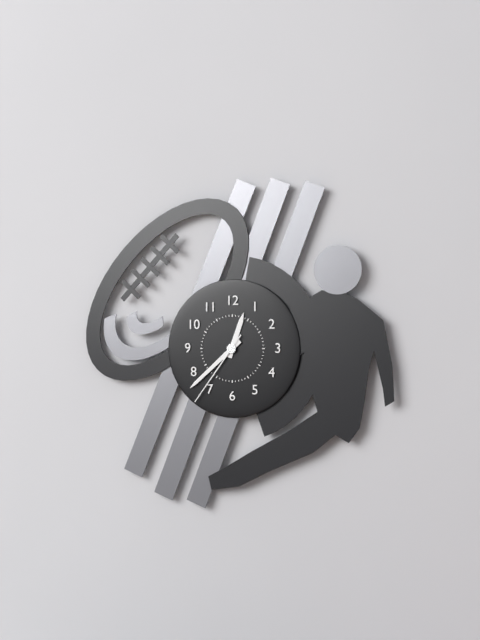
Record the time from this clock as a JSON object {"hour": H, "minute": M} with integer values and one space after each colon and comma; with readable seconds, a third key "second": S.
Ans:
{"hour": 12, "minute": 38, "second": 36}
